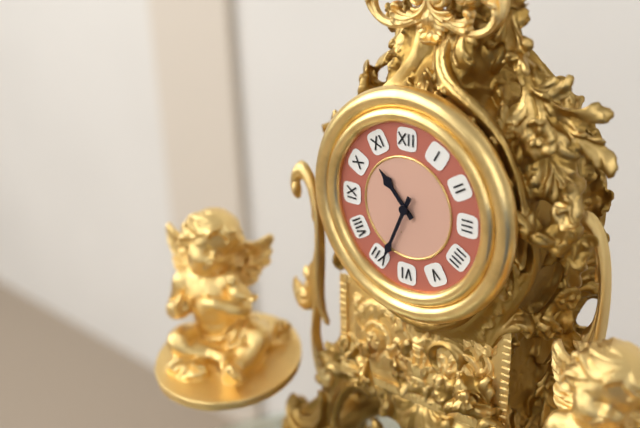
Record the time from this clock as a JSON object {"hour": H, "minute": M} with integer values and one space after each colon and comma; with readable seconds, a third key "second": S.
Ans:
{"hour": 10, "minute": 34}
